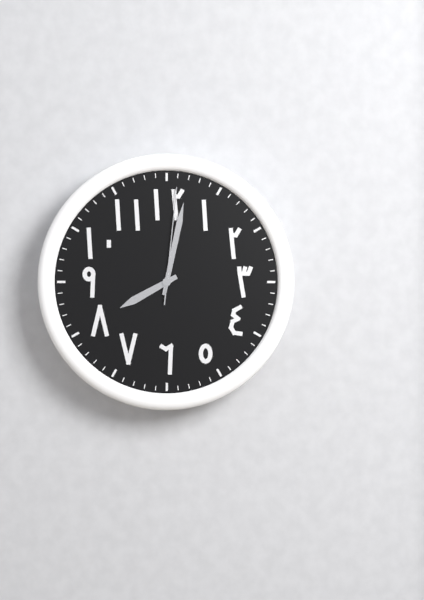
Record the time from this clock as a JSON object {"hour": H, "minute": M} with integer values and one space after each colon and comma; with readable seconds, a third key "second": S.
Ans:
{"hour": 8, "minute": 2, "second": 1}
